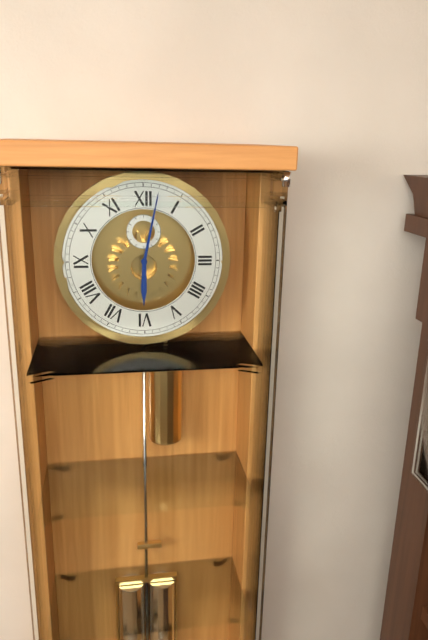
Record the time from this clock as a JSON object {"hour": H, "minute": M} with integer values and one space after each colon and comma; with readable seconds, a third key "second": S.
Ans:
{"hour": 6, "minute": 2}
